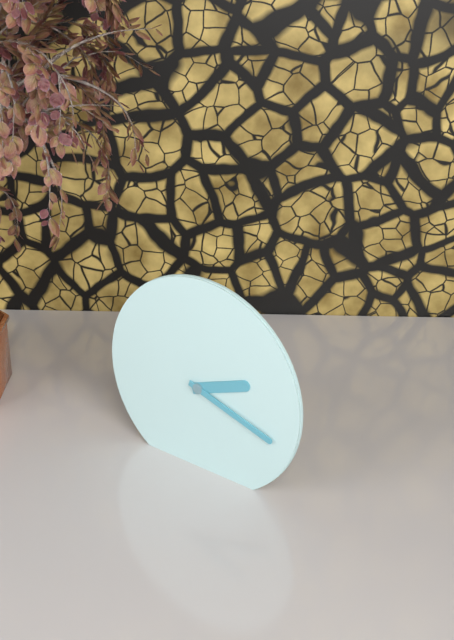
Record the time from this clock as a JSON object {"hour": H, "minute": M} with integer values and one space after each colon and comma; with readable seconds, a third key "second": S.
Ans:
{"hour": 2, "minute": 18}
